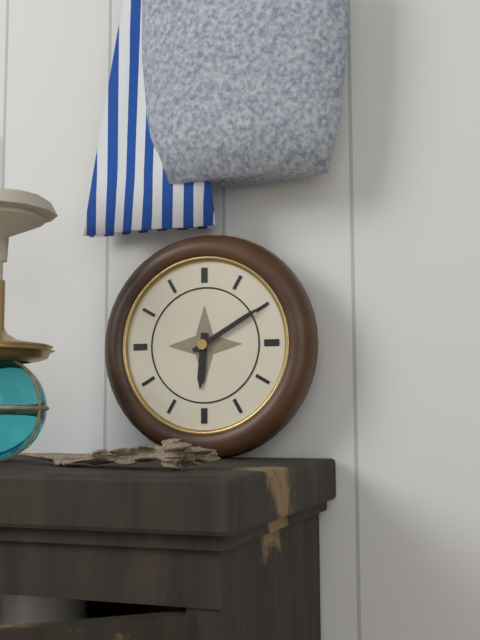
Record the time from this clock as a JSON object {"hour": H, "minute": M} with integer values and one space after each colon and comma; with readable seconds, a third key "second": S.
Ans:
{"hour": 6, "minute": 10}
